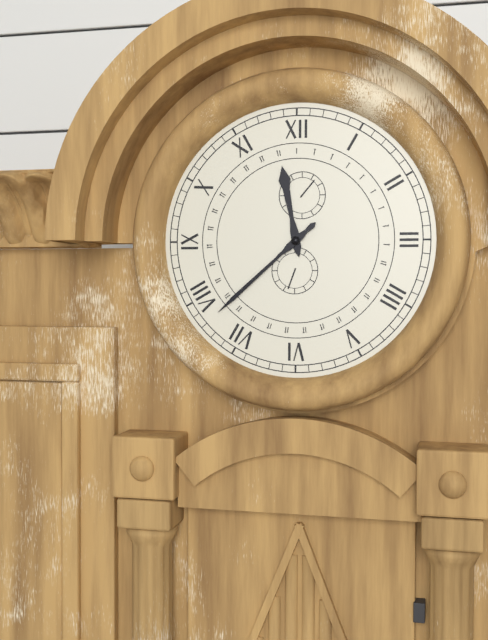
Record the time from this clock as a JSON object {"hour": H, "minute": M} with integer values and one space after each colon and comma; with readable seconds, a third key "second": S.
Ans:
{"hour": 11, "minute": 38}
